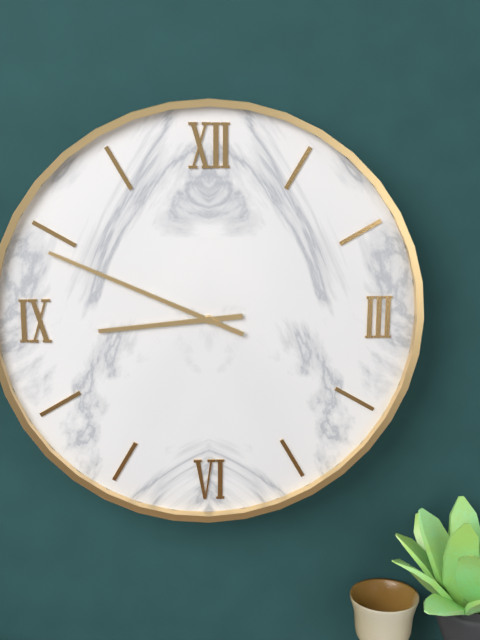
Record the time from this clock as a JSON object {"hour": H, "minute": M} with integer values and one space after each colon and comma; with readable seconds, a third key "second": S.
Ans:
{"hour": 8, "minute": 49}
